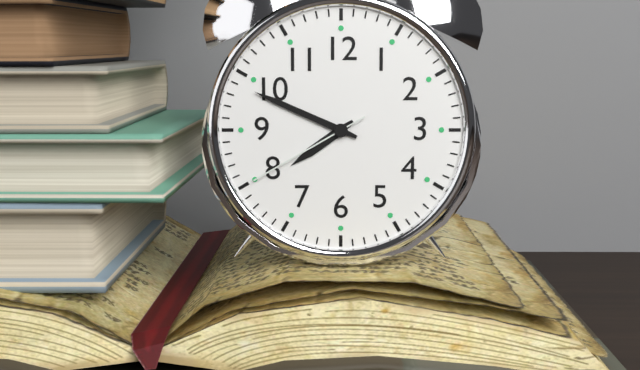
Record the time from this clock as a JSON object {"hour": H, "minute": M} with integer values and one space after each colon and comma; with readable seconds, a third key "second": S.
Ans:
{"hour": 7, "minute": 49, "second": 40}
